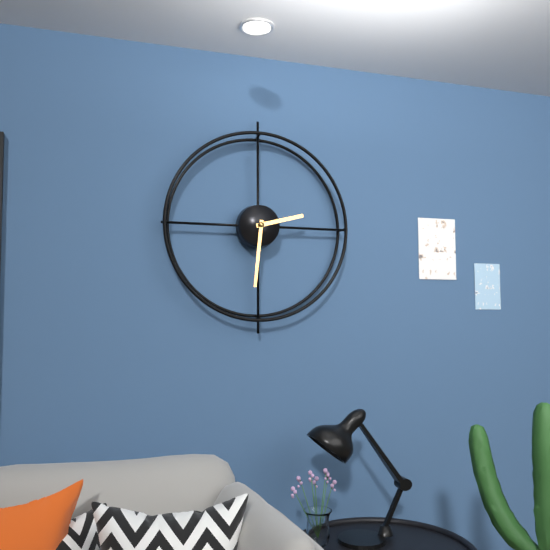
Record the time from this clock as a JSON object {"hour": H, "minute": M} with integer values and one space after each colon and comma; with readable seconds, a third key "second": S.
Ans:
{"hour": 2, "minute": 31}
